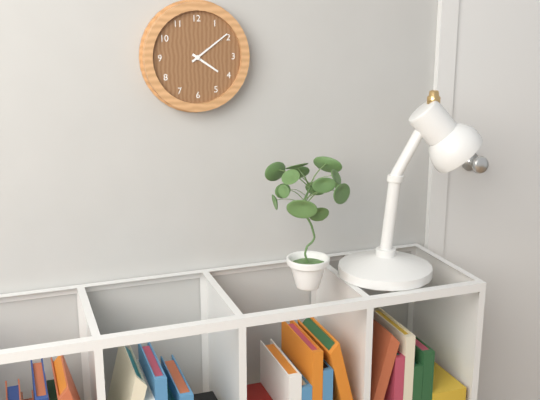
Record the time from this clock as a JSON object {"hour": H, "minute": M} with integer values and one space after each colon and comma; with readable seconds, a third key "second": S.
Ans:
{"hour": 4, "minute": 9}
